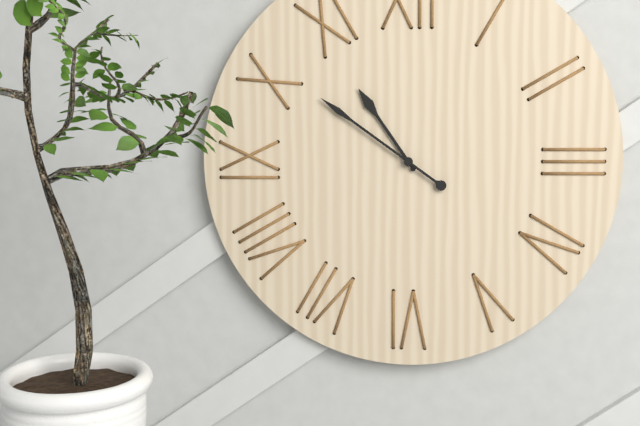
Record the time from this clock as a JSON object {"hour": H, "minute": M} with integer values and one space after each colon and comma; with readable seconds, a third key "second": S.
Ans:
{"hour": 10, "minute": 51}
